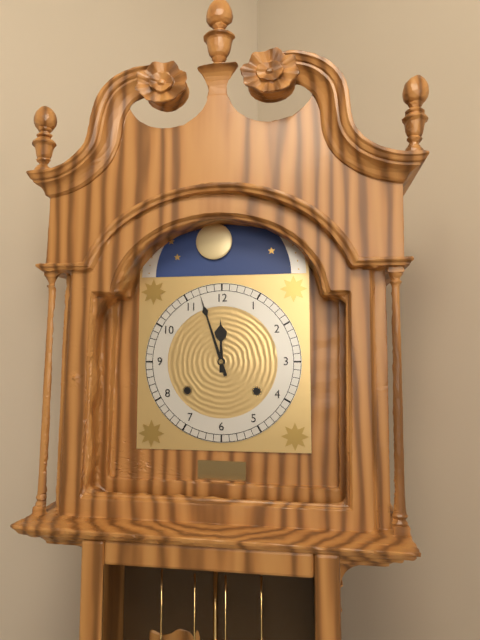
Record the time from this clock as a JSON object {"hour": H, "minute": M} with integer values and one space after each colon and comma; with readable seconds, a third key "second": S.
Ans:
{"hour": 11, "minute": 57}
